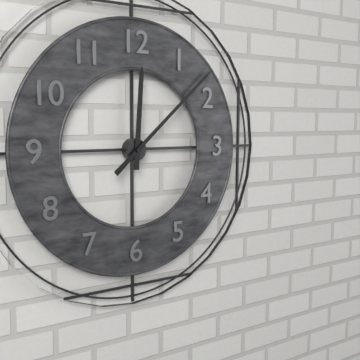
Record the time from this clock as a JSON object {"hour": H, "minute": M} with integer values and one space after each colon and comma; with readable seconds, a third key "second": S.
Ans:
{"hour": 12, "minute": 8}
